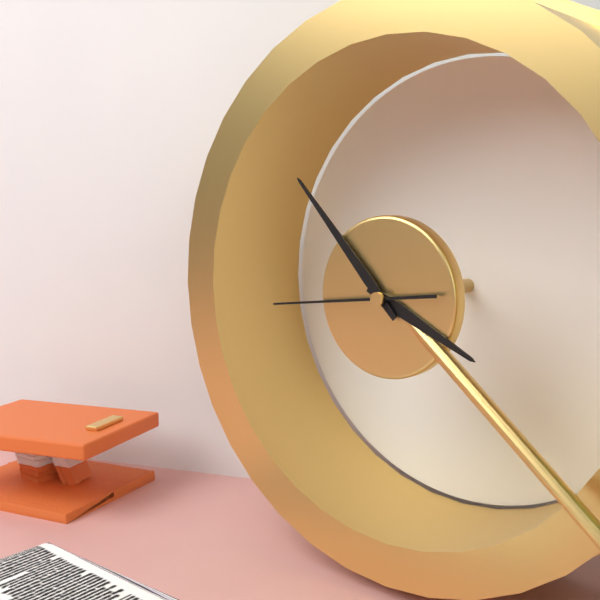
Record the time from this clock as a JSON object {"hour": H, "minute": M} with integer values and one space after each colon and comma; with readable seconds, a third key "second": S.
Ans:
{"hour": 3, "minute": 53, "second": 44}
